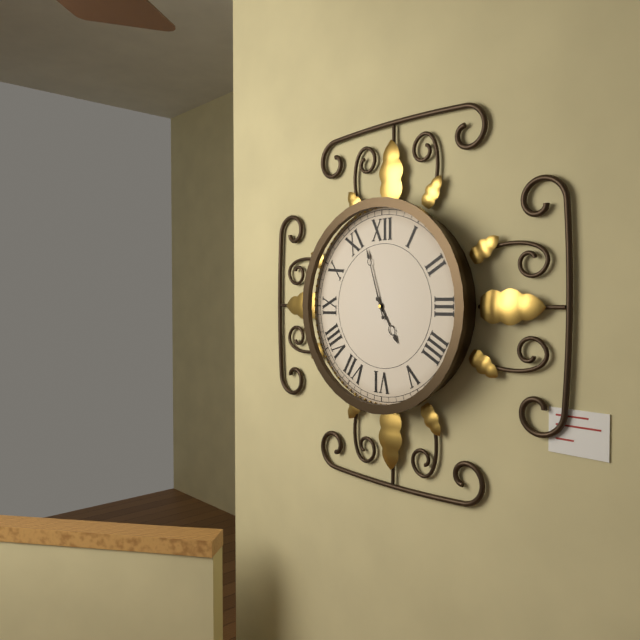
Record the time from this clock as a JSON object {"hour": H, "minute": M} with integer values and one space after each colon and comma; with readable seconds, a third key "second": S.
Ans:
{"hour": 4, "minute": 57}
